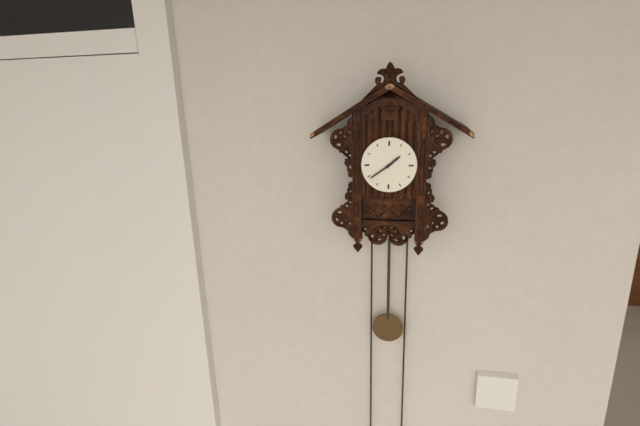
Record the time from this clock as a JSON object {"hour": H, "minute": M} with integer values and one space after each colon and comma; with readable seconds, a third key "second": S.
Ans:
{"hour": 1, "minute": 39}
